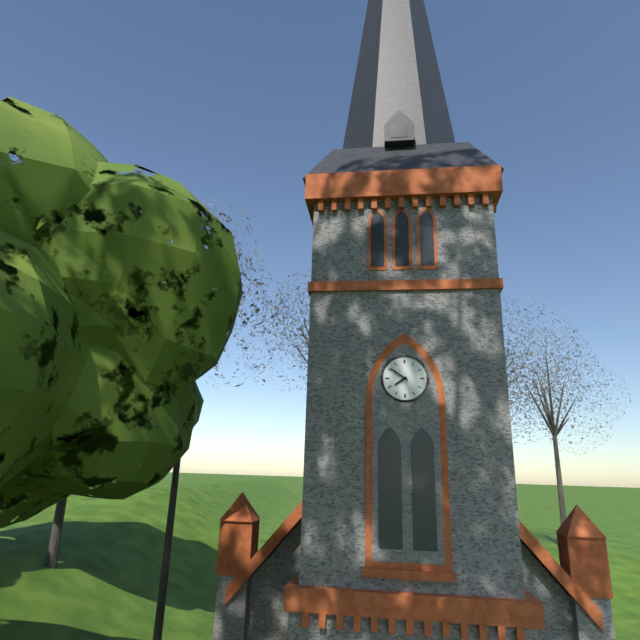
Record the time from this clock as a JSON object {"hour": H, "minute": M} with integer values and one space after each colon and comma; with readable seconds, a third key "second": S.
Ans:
{"hour": 7, "minute": 51}
